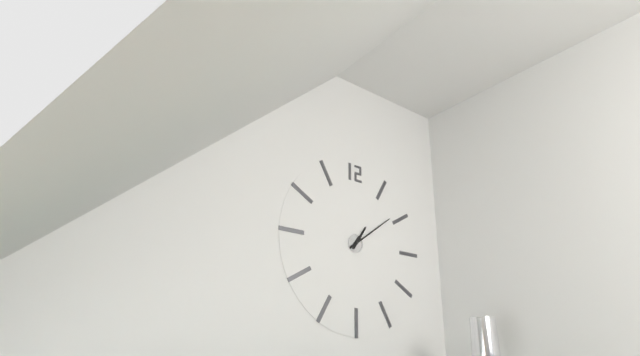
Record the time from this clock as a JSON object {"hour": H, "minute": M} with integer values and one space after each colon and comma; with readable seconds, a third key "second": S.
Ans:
{"hour": 1, "minute": 9}
